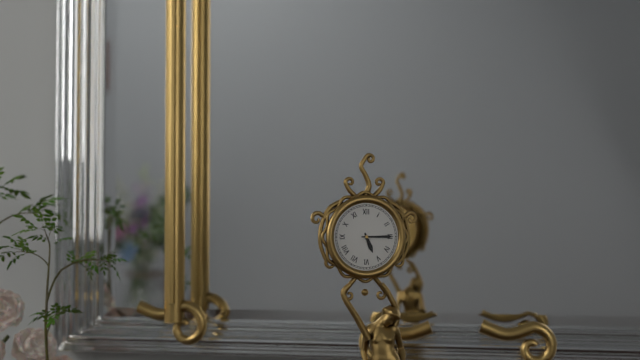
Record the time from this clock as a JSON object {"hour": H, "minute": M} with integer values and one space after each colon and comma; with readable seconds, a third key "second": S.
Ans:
{"hour": 5, "minute": 15}
